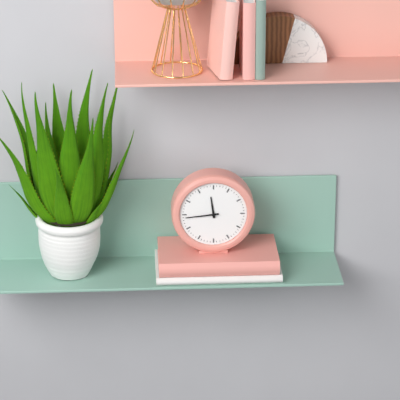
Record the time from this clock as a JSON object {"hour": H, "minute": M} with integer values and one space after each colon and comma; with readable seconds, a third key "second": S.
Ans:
{"hour": 11, "minute": 44}
